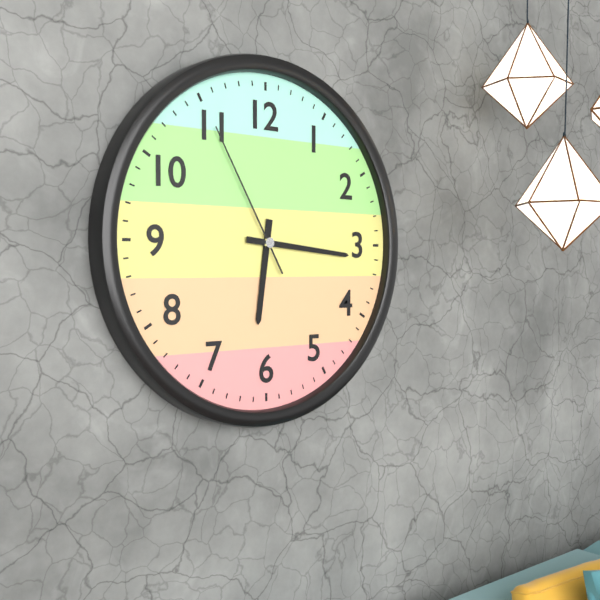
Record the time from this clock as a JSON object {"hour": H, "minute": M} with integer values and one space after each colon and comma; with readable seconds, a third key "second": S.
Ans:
{"hour": 6, "minute": 16, "second": 55}
